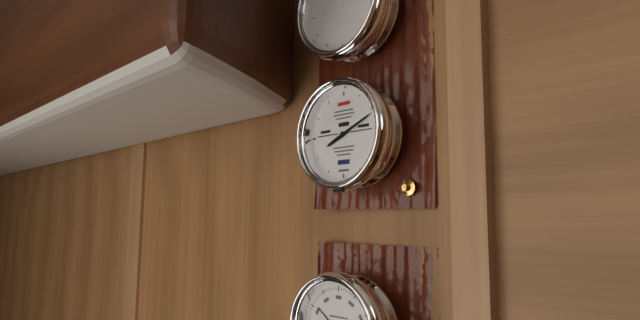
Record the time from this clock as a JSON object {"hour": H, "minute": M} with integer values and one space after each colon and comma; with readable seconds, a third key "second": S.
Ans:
{"hour": 8, "minute": 11}
